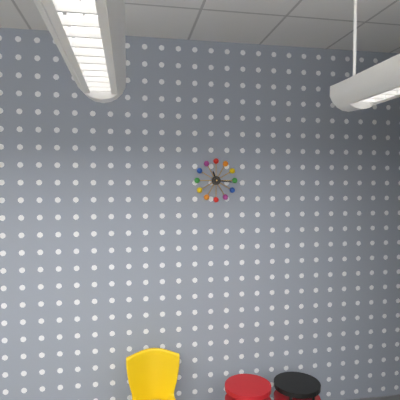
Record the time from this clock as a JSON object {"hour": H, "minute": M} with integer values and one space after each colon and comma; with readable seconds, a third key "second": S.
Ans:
{"hour": 11, "minute": 16}
